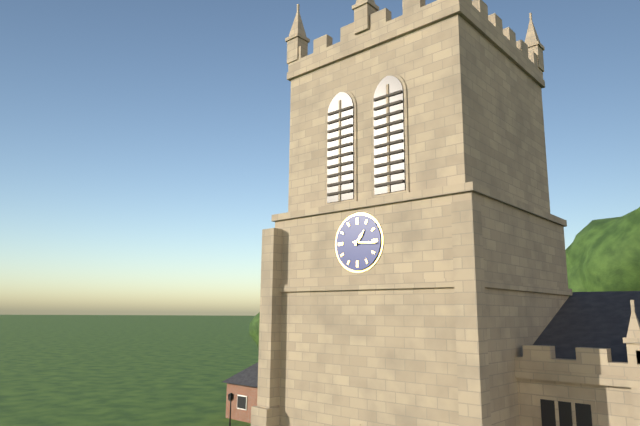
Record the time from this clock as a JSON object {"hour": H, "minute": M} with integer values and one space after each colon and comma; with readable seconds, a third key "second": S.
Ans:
{"hour": 1, "minute": 16}
